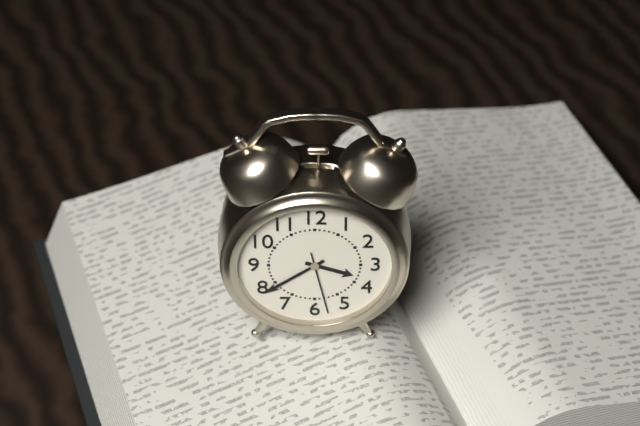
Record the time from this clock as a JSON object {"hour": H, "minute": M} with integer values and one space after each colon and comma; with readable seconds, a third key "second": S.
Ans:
{"hour": 3, "minute": 39, "second": 28}
